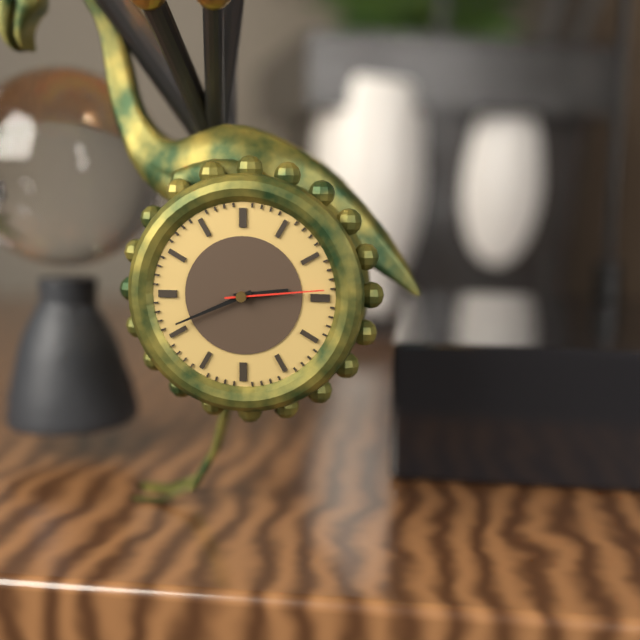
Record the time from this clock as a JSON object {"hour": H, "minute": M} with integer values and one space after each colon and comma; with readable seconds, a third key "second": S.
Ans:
{"hour": 2, "minute": 41, "second": 14}
